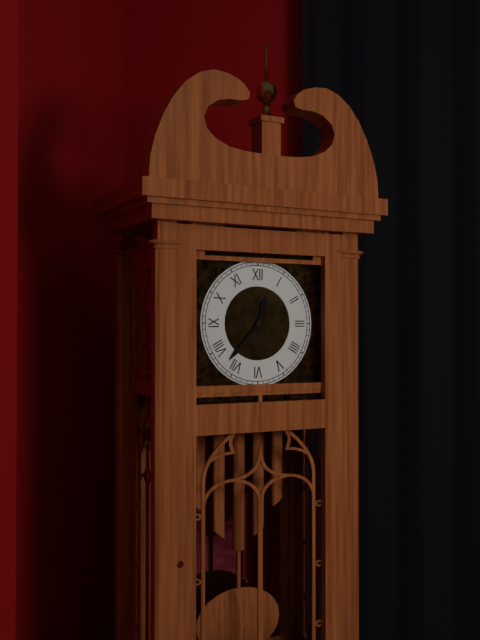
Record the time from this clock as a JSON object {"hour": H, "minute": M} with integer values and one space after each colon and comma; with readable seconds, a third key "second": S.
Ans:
{"hour": 12, "minute": 37}
